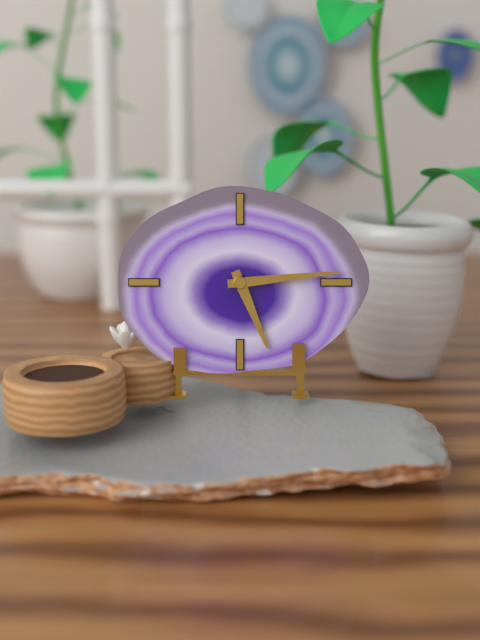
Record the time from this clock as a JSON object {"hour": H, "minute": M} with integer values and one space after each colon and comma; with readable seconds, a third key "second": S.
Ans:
{"hour": 5, "minute": 14}
